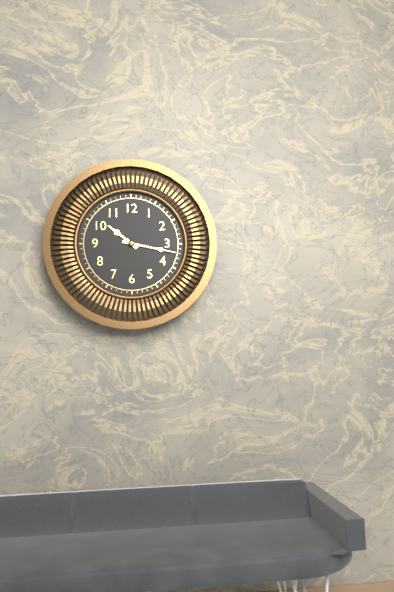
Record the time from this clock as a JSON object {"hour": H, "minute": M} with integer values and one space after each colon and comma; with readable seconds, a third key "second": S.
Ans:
{"hour": 10, "minute": 17}
